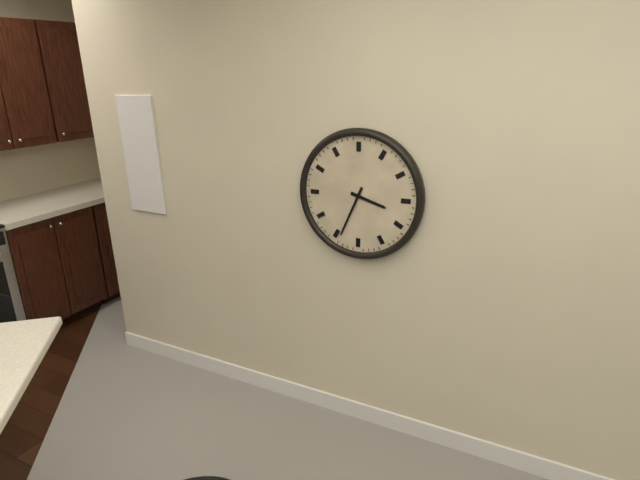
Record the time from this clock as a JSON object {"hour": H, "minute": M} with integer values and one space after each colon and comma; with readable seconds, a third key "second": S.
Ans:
{"hour": 3, "minute": 34}
